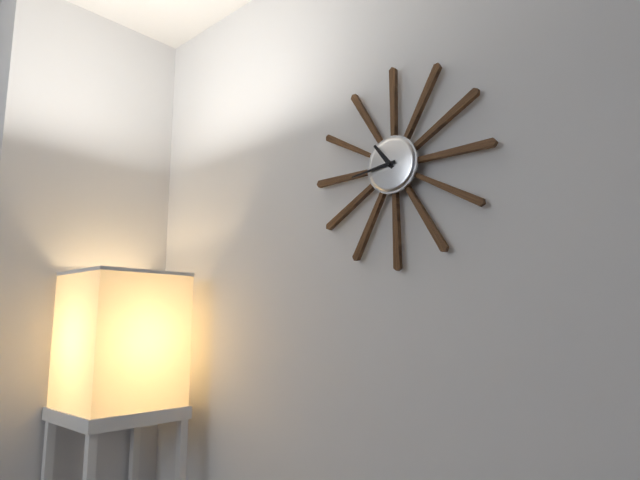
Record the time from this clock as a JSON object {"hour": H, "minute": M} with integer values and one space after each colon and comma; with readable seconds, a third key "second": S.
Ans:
{"hour": 10, "minute": 44}
